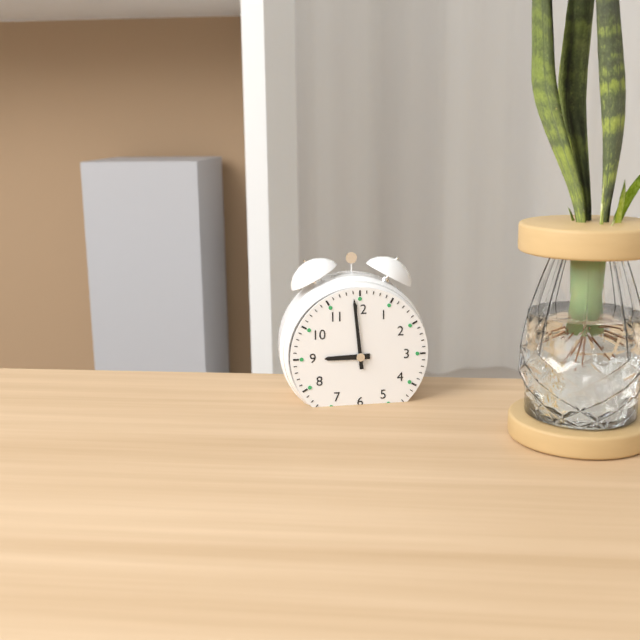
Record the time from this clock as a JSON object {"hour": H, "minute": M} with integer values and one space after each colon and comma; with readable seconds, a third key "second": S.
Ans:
{"hour": 8, "minute": 59}
